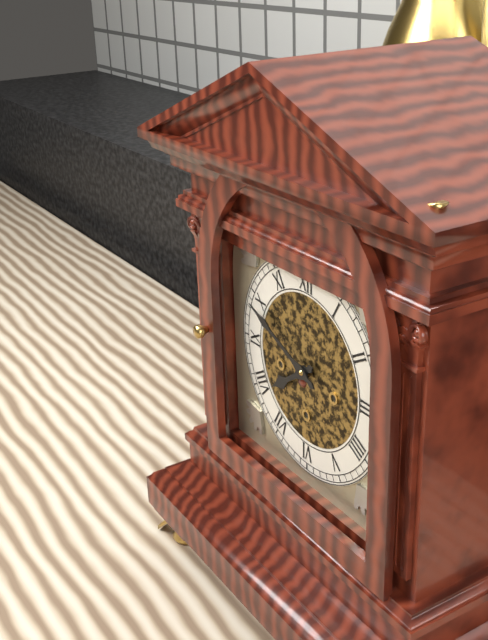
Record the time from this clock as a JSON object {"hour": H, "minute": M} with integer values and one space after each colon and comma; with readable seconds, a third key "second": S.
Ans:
{"hour": 7, "minute": 49}
